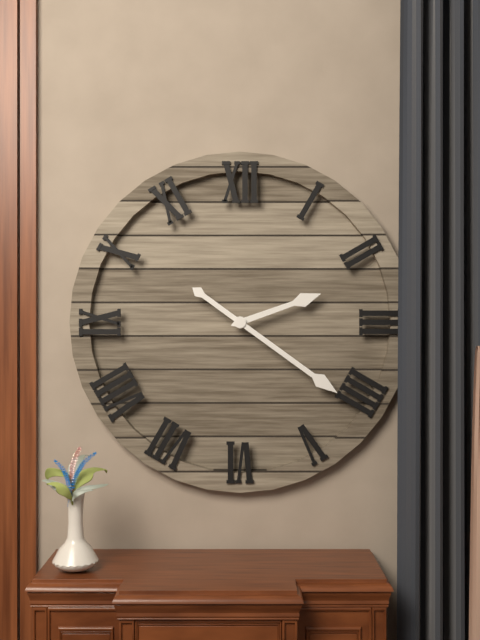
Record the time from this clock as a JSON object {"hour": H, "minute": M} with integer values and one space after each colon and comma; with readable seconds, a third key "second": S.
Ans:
{"hour": 2, "minute": 21}
